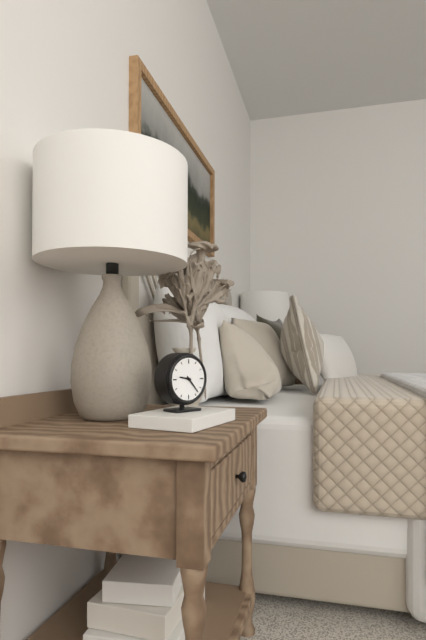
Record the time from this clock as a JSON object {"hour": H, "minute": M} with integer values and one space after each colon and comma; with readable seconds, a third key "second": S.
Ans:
{"hour": 9, "minute": 23}
